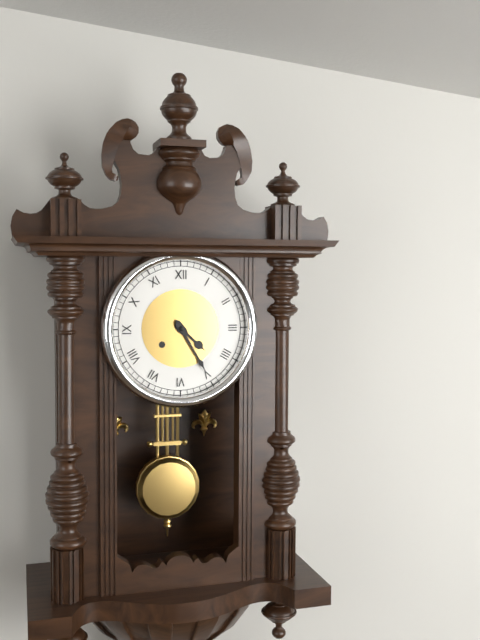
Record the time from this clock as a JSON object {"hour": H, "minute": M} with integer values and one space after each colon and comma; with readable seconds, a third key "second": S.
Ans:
{"hour": 4, "minute": 25}
